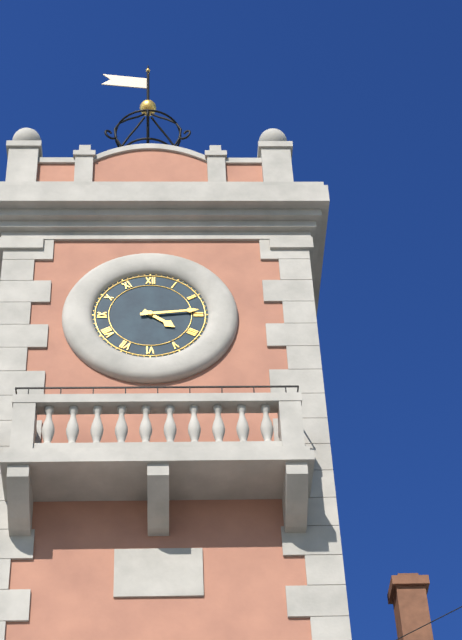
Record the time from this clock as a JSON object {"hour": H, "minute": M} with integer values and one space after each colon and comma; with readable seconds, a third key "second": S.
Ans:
{"hour": 4, "minute": 14}
